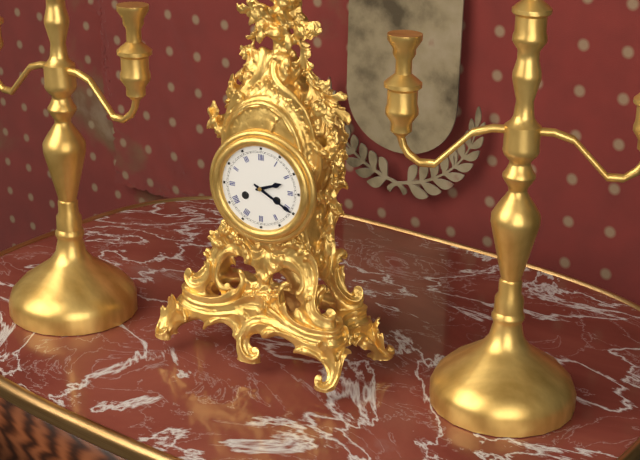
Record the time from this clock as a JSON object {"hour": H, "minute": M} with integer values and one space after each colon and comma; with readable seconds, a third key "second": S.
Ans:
{"hour": 2, "minute": 20}
